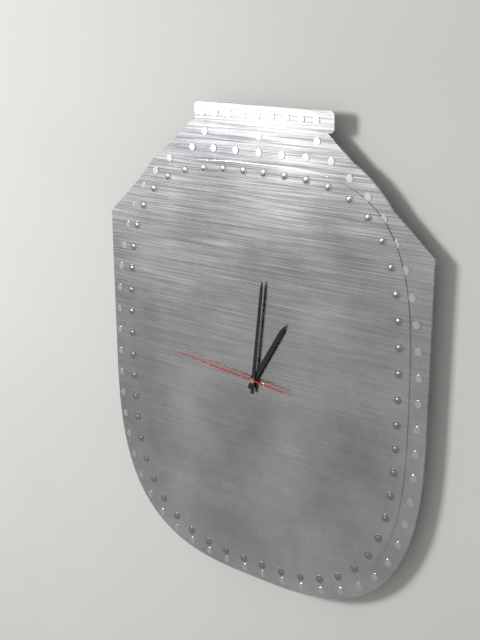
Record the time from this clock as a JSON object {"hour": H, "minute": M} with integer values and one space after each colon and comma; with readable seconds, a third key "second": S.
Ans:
{"hour": 1, "minute": 1, "second": 46}
